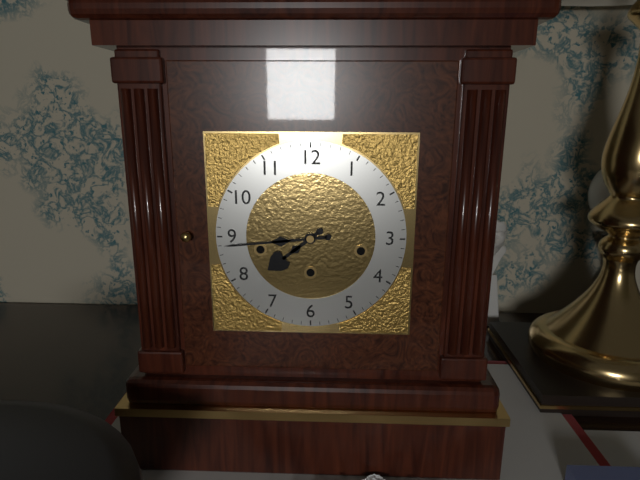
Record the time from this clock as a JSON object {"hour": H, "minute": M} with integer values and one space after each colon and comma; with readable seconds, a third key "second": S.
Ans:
{"hour": 7, "minute": 44}
